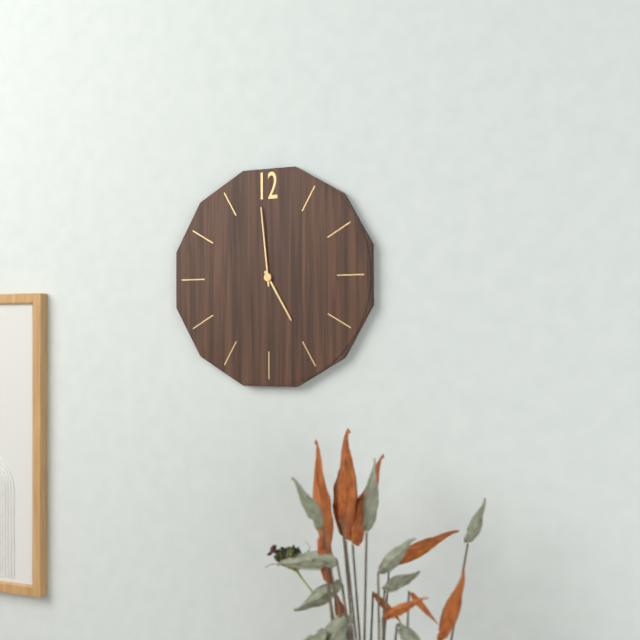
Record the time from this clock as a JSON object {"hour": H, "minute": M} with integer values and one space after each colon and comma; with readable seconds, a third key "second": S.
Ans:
{"hour": 4, "minute": 59}
